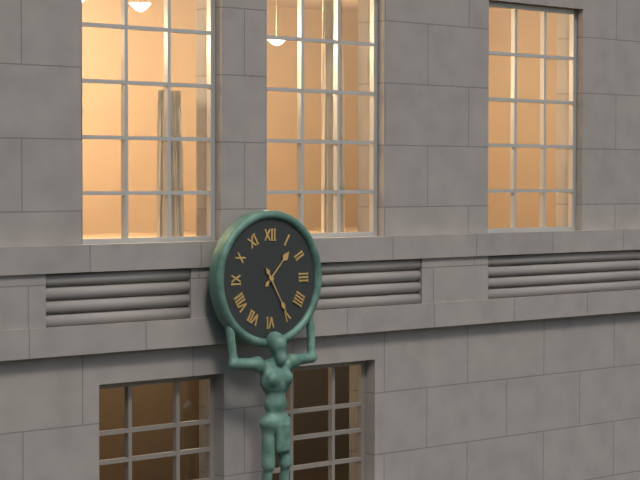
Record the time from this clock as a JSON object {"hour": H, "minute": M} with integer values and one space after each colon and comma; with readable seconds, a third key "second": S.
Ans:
{"hour": 1, "minute": 25}
